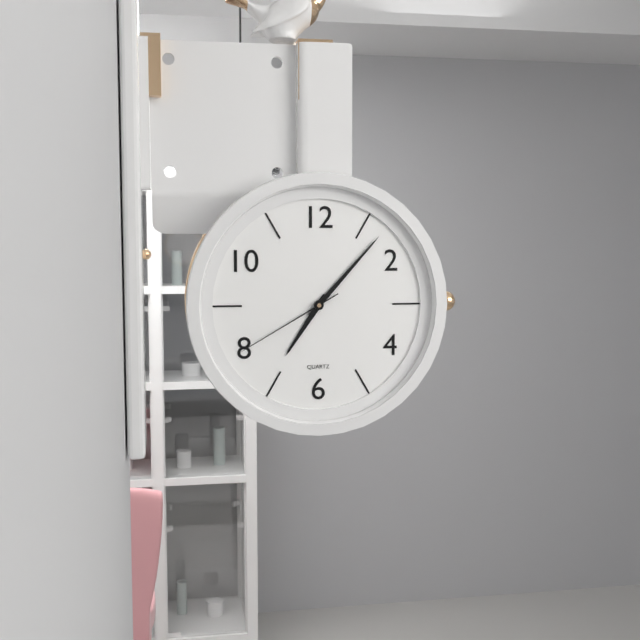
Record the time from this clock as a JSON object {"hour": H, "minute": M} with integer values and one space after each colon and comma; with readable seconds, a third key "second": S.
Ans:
{"hour": 7, "minute": 7, "second": 40}
